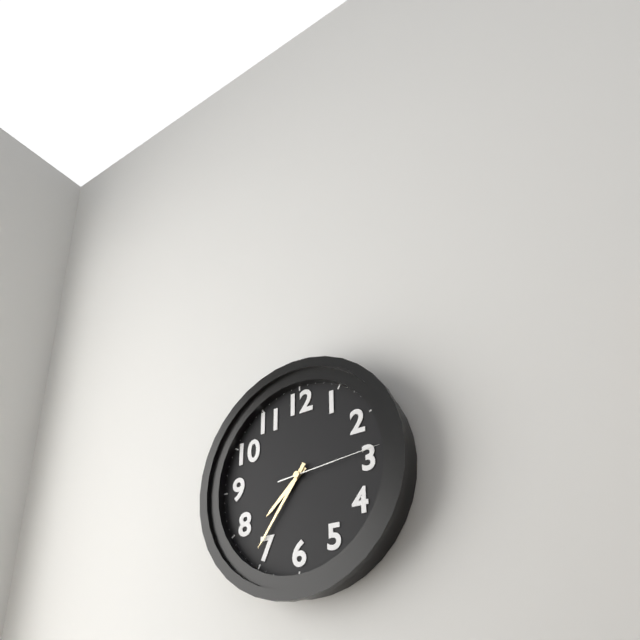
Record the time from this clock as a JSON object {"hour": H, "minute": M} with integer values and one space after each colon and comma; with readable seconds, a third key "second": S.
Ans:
{"hour": 7, "minute": 36, "second": 14}
